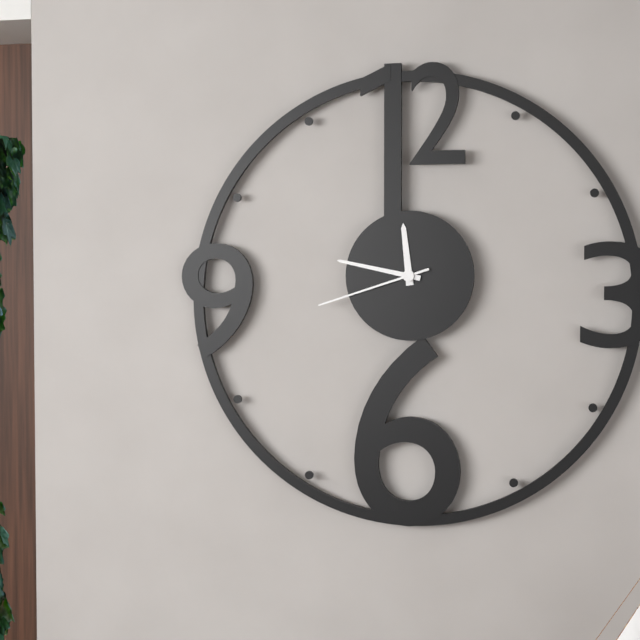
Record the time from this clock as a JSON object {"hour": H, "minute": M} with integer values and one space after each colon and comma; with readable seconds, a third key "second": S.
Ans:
{"hour": 11, "minute": 47, "second": 42}
